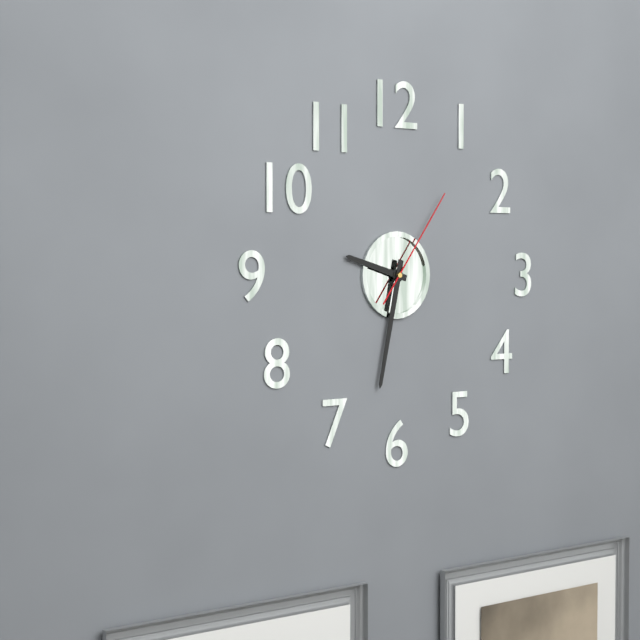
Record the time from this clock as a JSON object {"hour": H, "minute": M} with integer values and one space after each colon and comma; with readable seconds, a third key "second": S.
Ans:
{"hour": 9, "minute": 32, "second": 6}
